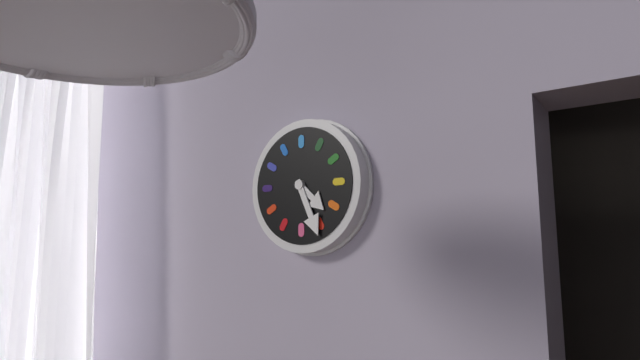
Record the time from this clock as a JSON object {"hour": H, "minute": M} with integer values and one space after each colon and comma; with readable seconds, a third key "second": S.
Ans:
{"hour": 4, "minute": 26}
